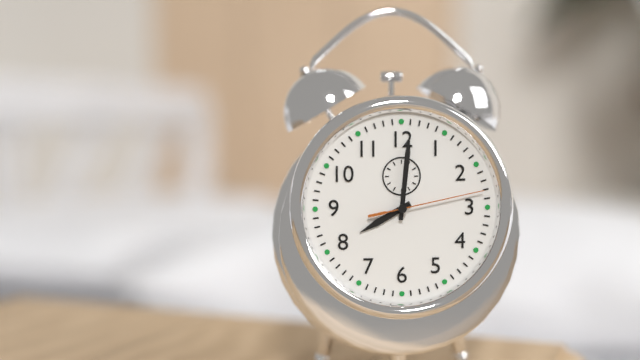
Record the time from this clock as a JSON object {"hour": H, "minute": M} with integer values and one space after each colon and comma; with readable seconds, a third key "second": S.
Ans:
{"hour": 8, "minute": 1, "second": 13}
